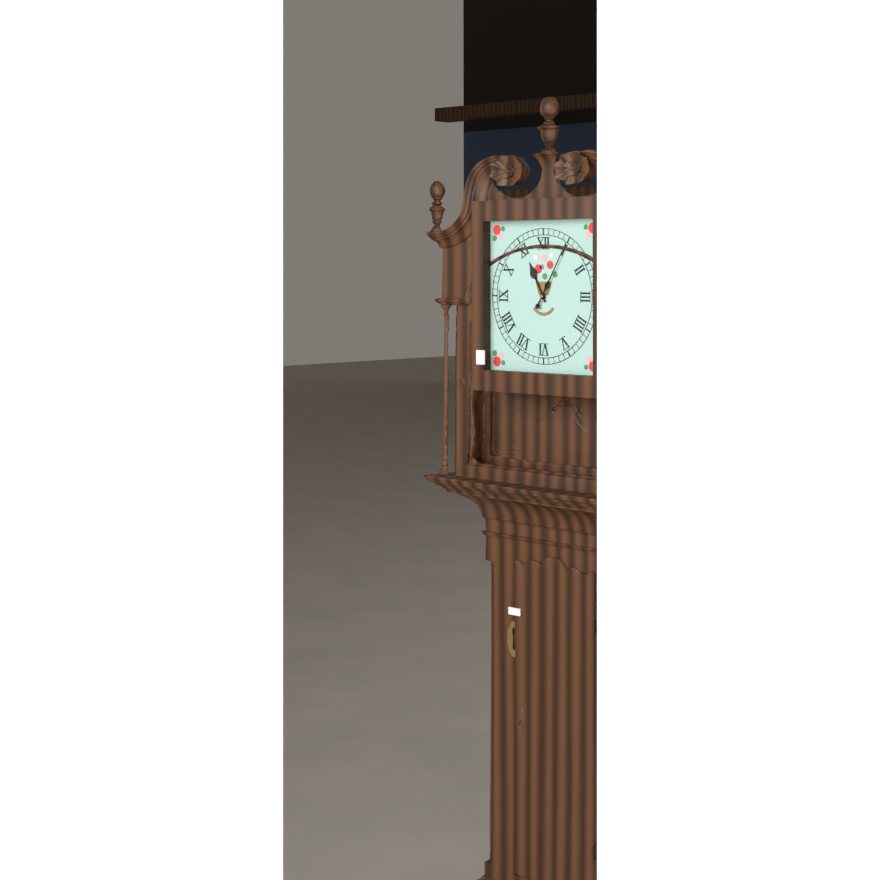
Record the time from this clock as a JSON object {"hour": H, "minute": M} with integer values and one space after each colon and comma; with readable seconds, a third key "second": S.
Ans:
{"hour": 11, "minute": 5}
